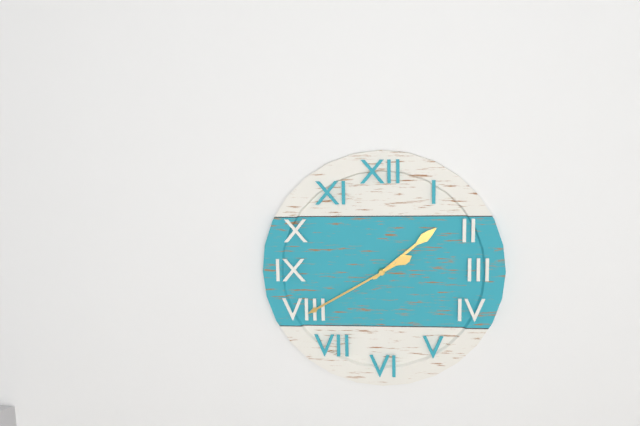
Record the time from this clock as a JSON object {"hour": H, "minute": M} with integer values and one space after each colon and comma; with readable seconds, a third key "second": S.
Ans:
{"hour": 1, "minute": 40}
